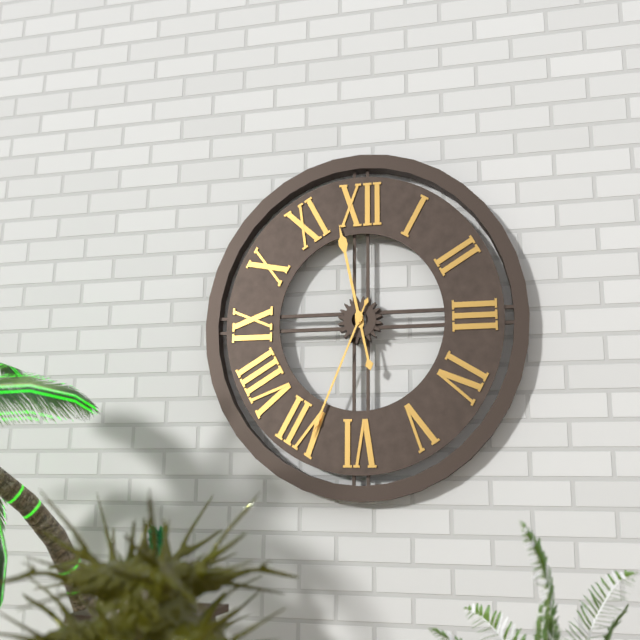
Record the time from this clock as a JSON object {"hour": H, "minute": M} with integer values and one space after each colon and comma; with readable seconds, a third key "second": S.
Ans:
{"hour": 11, "minute": 34}
